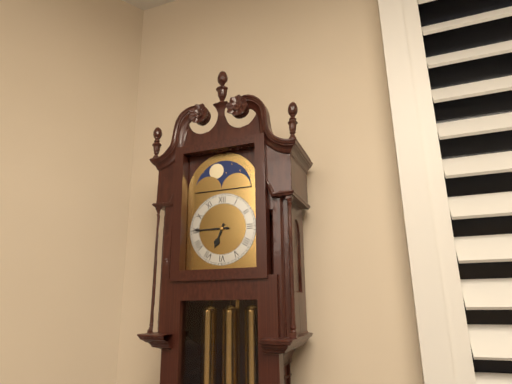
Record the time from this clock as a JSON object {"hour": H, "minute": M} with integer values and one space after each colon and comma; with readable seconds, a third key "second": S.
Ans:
{"hour": 6, "minute": 45}
